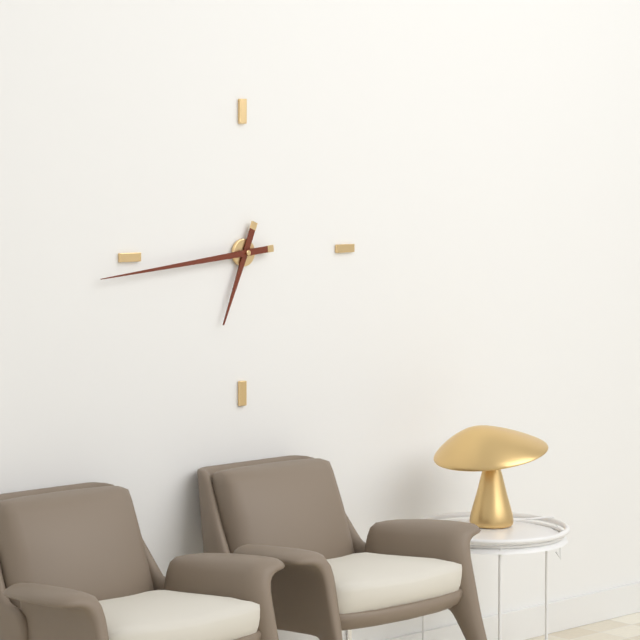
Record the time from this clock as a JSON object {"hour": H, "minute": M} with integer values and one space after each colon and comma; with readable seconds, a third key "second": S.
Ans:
{"hour": 6, "minute": 44}
